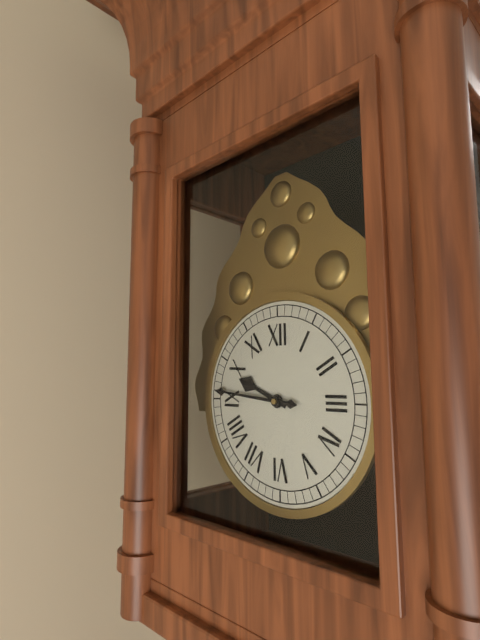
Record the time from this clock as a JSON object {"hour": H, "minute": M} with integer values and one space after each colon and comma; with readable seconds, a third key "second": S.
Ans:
{"hour": 9, "minute": 46}
